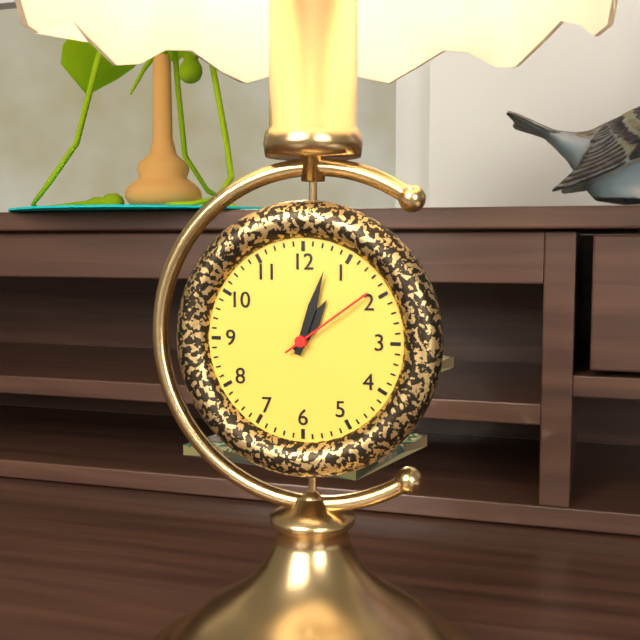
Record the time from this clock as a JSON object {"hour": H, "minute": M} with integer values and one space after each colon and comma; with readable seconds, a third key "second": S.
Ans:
{"hour": 1, "minute": 3, "second": 9}
